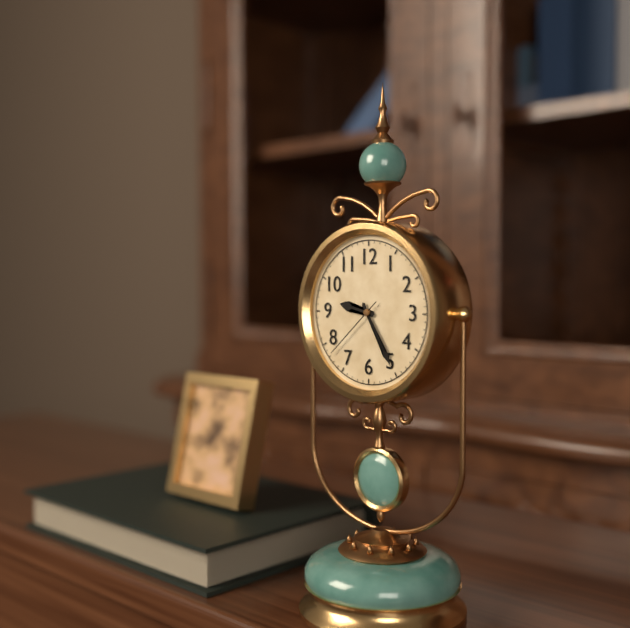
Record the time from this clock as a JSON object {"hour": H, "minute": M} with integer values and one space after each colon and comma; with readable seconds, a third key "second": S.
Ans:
{"hour": 9, "minute": 25, "second": 38}
